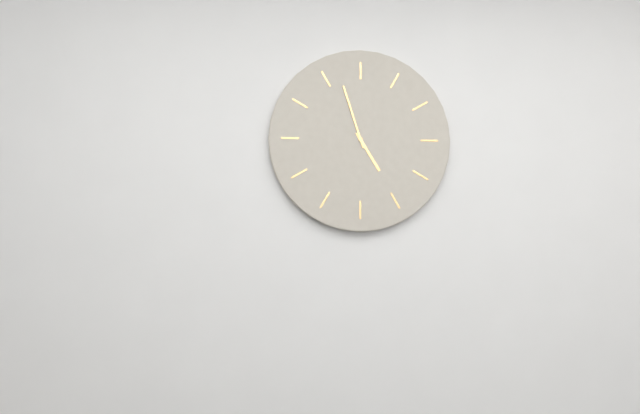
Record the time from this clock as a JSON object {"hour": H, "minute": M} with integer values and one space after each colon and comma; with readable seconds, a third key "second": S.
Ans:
{"hour": 4, "minute": 57}
